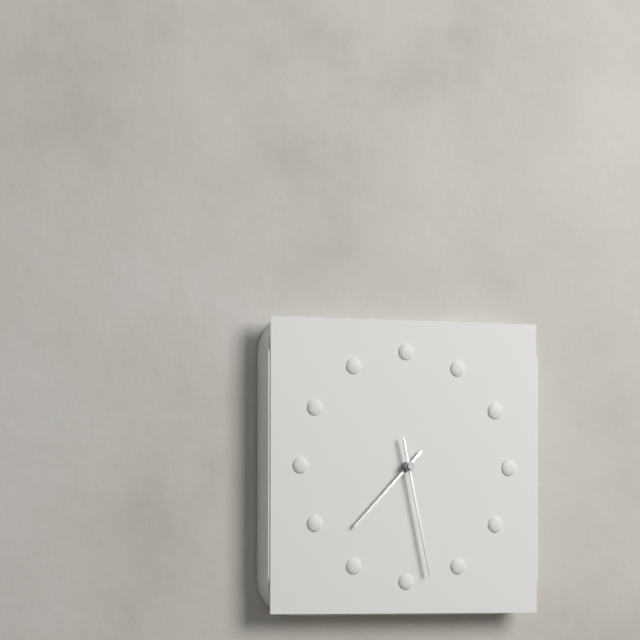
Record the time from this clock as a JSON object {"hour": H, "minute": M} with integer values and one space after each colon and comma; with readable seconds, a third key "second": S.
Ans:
{"hour": 7, "minute": 28}
